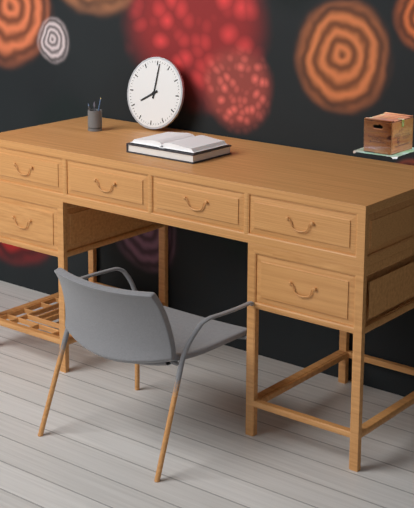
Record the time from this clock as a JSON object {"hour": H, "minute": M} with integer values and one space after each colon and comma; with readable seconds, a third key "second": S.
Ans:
{"hour": 8, "minute": 1}
